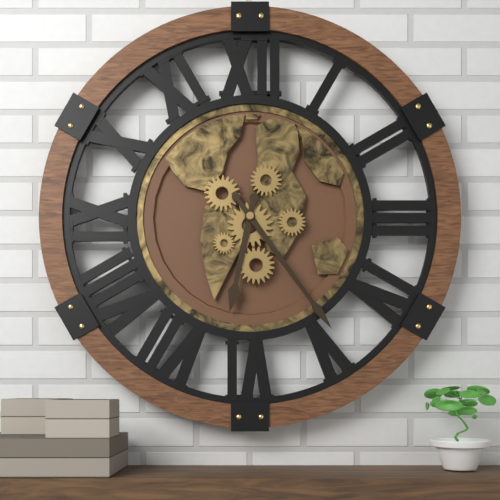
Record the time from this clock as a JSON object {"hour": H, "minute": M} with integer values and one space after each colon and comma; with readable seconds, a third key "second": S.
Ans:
{"hour": 6, "minute": 24}
